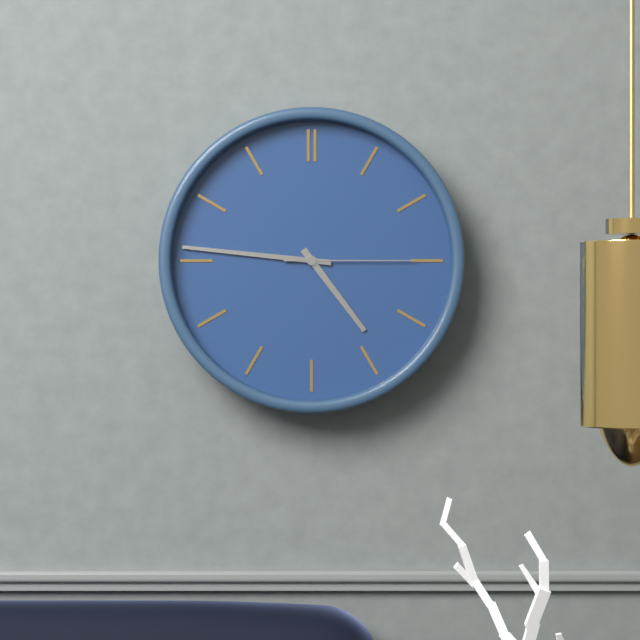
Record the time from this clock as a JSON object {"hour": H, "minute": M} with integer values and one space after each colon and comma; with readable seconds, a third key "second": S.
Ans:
{"hour": 4, "minute": 46, "second": 15}
